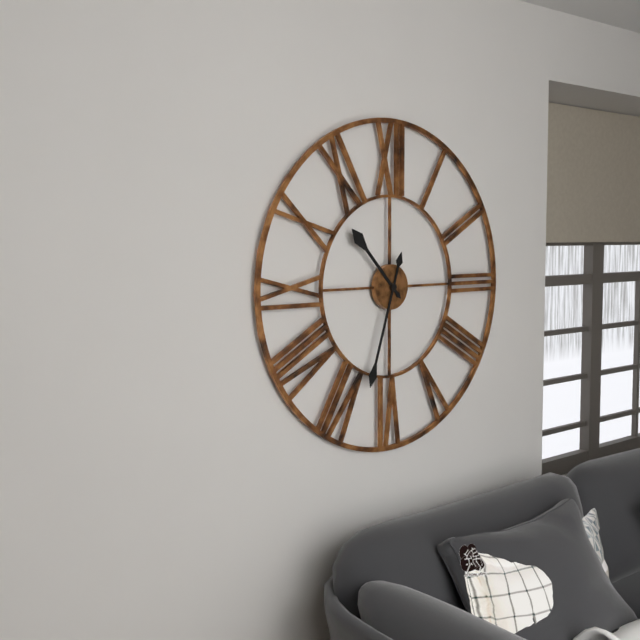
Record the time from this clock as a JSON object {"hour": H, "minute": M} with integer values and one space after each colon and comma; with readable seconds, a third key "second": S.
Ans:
{"hour": 10, "minute": 33}
